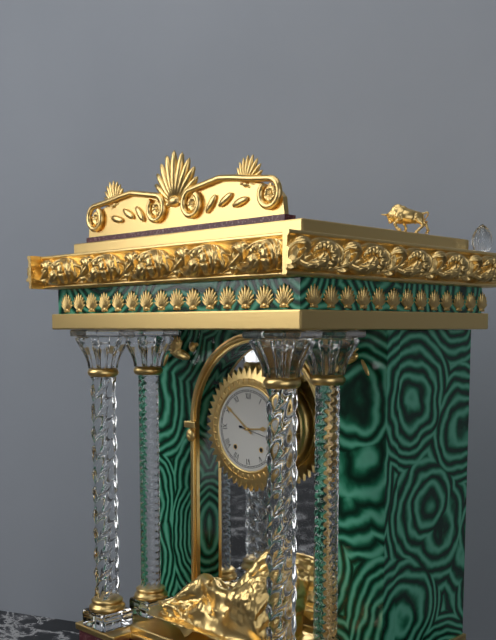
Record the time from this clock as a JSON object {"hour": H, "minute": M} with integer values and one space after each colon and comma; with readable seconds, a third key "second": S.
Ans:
{"hour": 2, "minute": 51}
